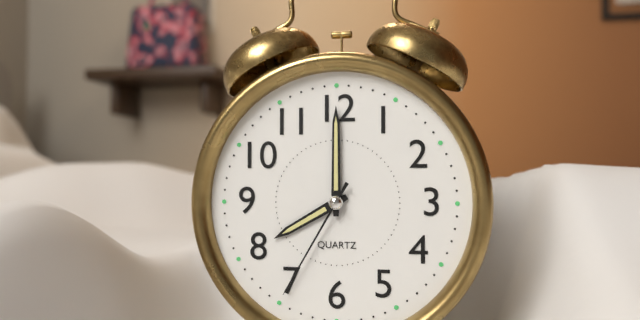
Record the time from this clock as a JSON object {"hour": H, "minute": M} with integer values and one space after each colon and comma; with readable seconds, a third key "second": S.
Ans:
{"hour": 8, "minute": 0, "second": 35}
